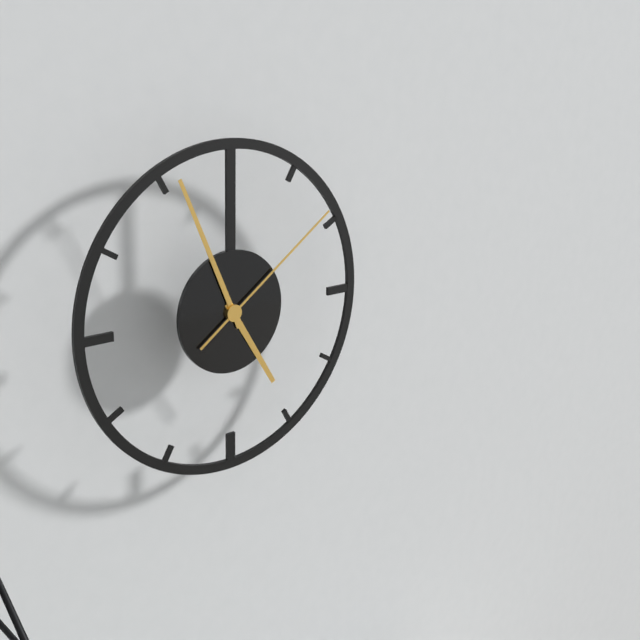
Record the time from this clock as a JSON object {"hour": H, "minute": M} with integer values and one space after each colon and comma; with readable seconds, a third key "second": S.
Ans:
{"hour": 4, "minute": 56, "second": 9}
